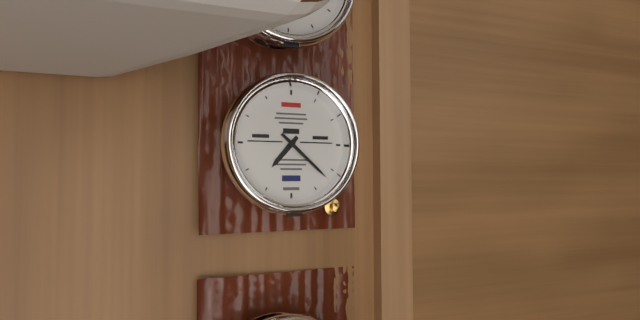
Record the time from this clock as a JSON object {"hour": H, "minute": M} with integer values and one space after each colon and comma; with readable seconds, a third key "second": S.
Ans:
{"hour": 7, "minute": 22}
